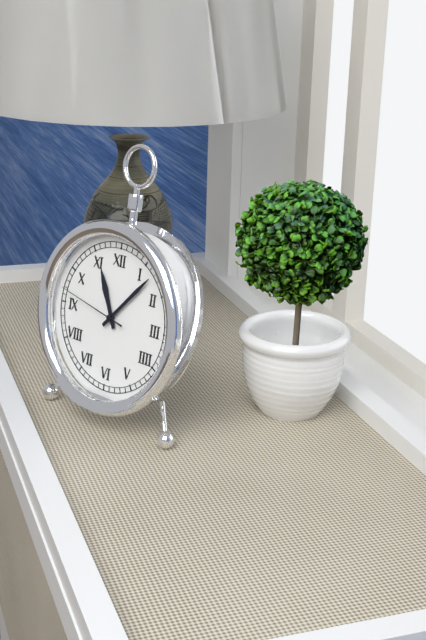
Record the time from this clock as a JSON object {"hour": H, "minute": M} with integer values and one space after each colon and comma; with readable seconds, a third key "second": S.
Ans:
{"hour": 11, "minute": 7, "second": 47}
